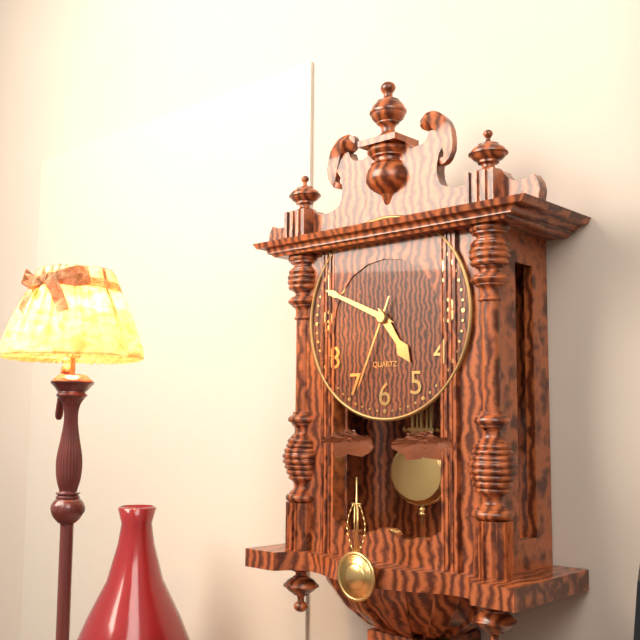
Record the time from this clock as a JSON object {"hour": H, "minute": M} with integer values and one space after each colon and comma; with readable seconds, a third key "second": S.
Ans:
{"hour": 4, "minute": 49, "second": 34}
